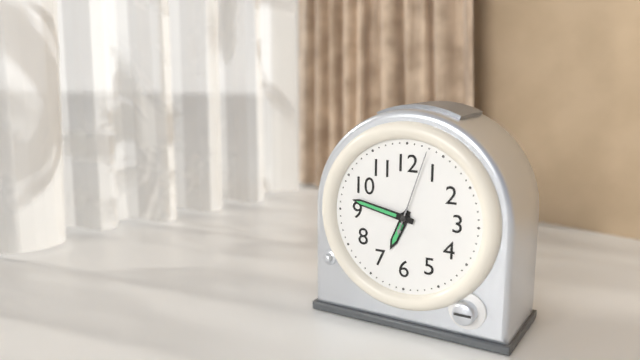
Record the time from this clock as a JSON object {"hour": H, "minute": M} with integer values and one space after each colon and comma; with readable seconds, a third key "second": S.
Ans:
{"hour": 6, "minute": 47, "second": 3}
